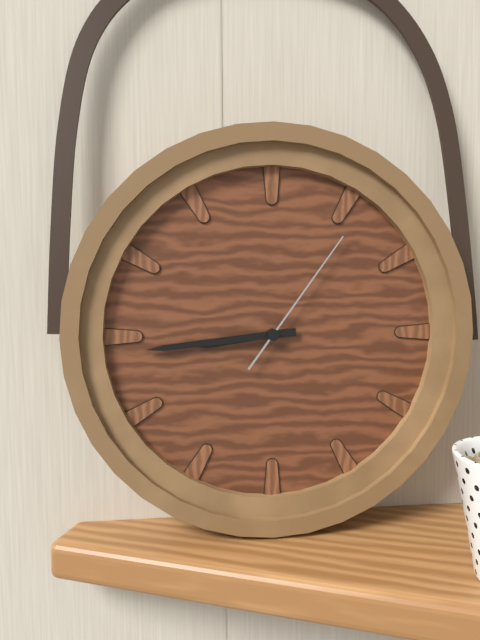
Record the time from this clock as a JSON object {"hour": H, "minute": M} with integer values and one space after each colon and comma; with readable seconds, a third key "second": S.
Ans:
{"hour": 8, "minute": 44, "second": 6}
